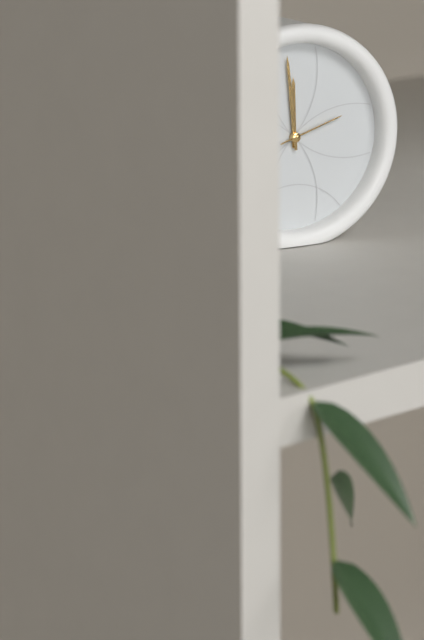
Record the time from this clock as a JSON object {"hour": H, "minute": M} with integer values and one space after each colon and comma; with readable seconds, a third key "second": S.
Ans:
{"hour": 11, "minute": 59, "second": 12}
